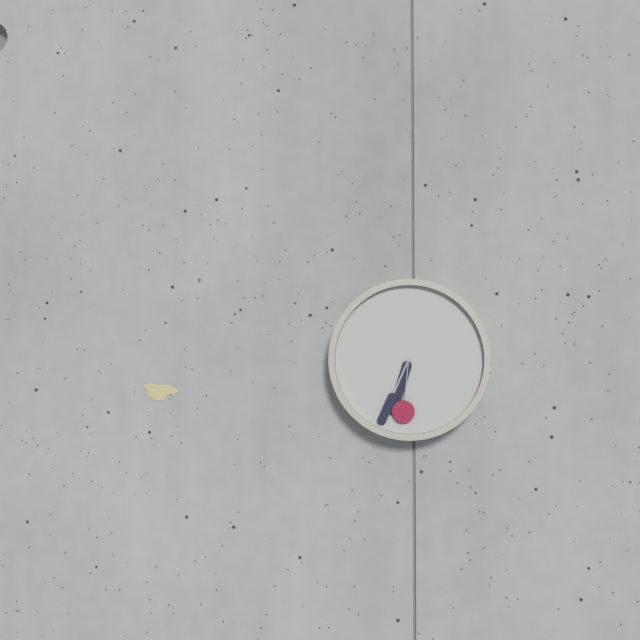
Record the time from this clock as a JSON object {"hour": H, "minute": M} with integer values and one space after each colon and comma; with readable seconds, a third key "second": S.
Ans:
{"hour": 6, "minute": 34, "second": 31}
